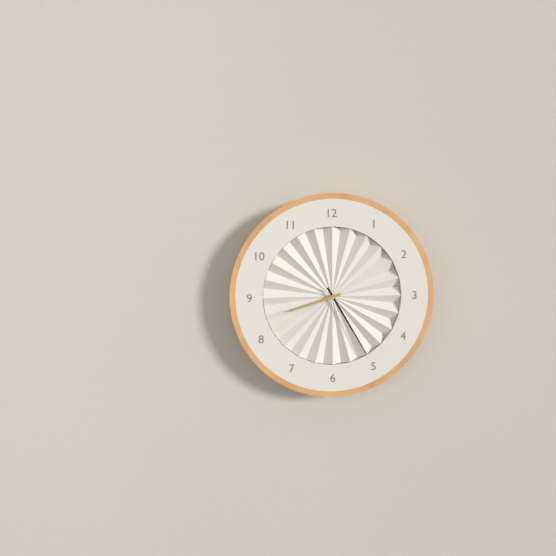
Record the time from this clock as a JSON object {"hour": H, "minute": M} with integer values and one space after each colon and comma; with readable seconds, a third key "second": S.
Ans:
{"hour": 8, "minute": 25}
